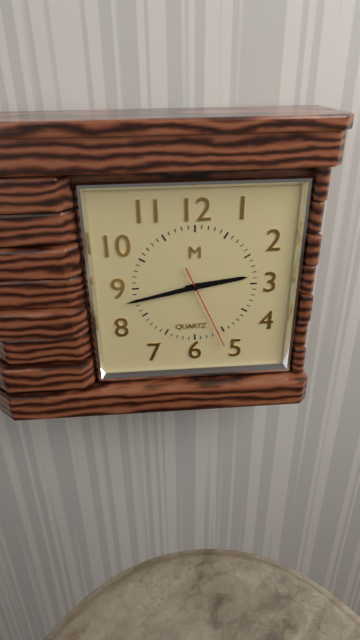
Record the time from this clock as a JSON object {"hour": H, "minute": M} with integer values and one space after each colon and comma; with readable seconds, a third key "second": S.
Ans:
{"hour": 2, "minute": 43, "second": 26}
